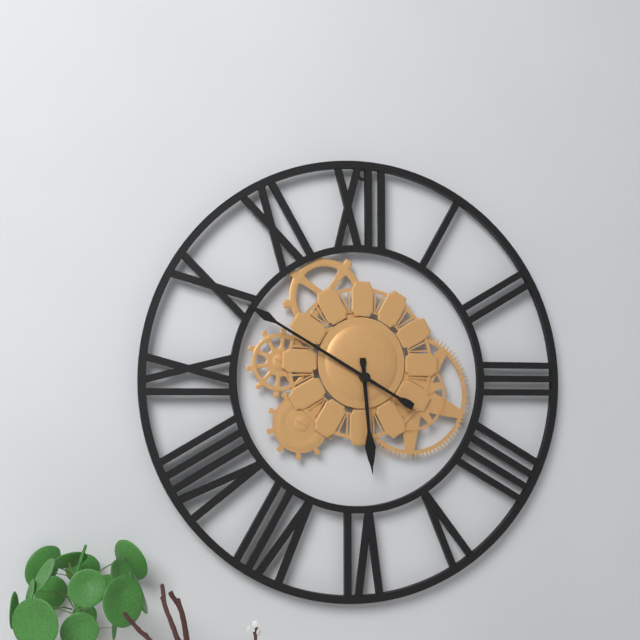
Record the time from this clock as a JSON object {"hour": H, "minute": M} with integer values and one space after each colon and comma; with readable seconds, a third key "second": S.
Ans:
{"hour": 5, "minute": 50}
